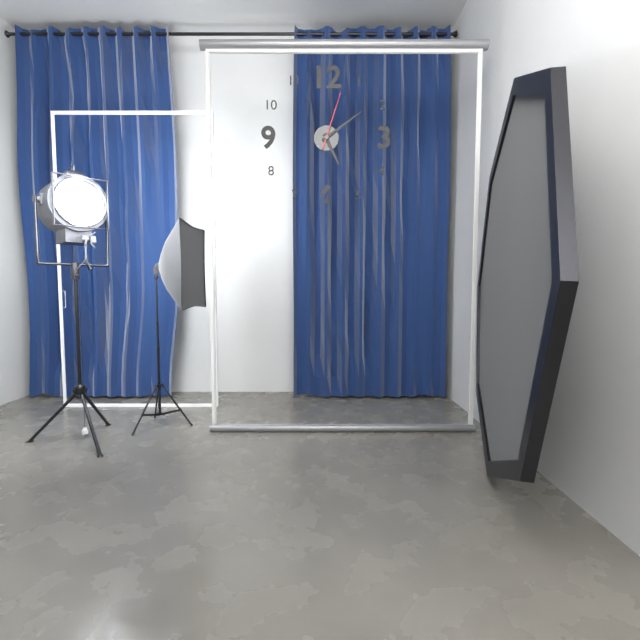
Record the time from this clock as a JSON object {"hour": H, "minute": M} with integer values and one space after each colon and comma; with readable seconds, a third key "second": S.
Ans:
{"hour": 5, "minute": 9, "second": 3}
